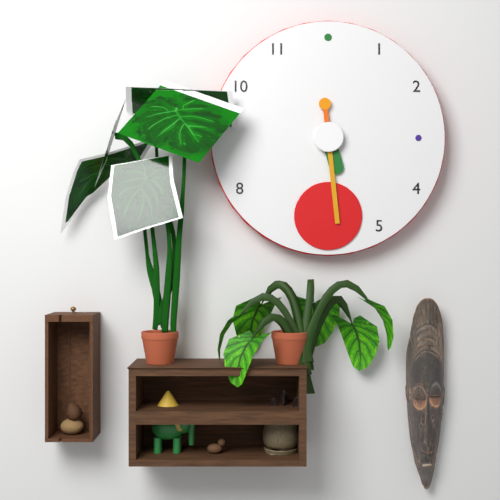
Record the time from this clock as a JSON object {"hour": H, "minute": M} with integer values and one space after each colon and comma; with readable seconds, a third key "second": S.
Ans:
{"hour": 5, "minute": 29}
